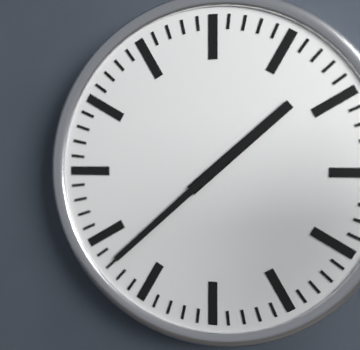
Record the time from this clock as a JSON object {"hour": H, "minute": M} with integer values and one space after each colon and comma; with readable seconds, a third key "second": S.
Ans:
{"hour": 1, "minute": 38}
